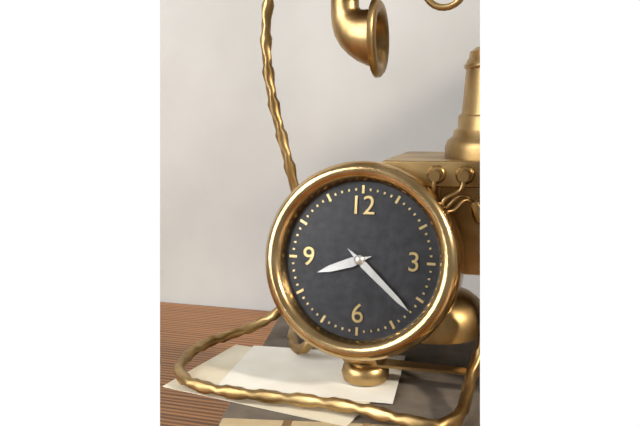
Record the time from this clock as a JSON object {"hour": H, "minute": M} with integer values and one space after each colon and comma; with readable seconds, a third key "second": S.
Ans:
{"hour": 8, "minute": 22}
